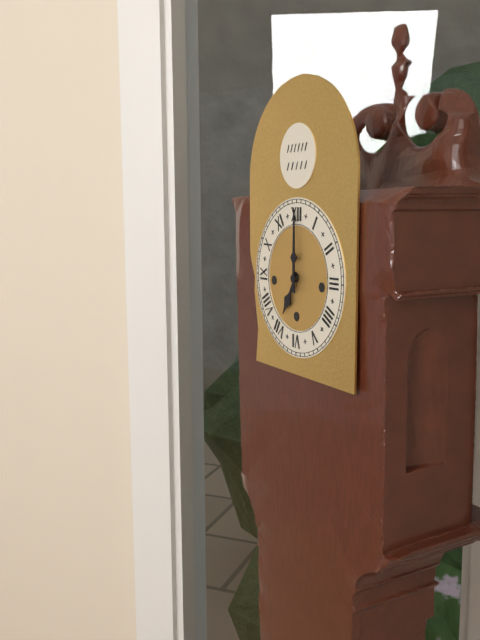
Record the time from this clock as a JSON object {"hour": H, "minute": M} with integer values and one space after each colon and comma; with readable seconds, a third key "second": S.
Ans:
{"hour": 7, "minute": 0}
